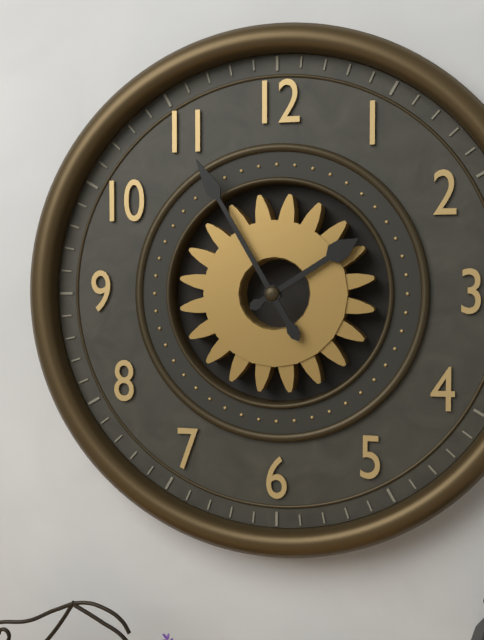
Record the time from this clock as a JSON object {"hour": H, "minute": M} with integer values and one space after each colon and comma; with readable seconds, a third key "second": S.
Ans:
{"hour": 1, "minute": 55}
